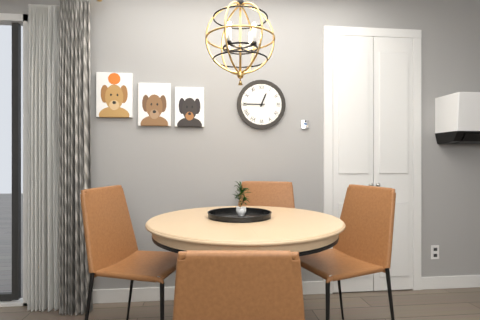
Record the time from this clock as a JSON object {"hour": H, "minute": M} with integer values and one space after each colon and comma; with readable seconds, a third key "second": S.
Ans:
{"hour": 12, "minute": 45}
